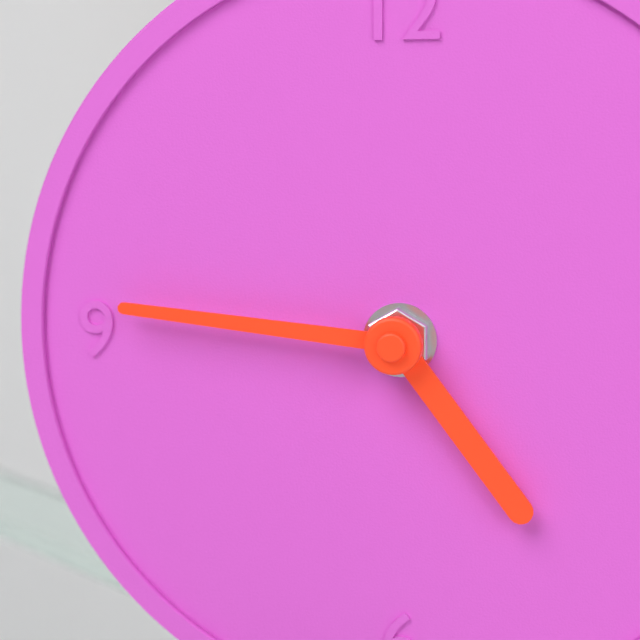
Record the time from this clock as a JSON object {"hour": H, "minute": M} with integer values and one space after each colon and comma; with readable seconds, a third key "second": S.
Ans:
{"hour": 4, "minute": 46}
